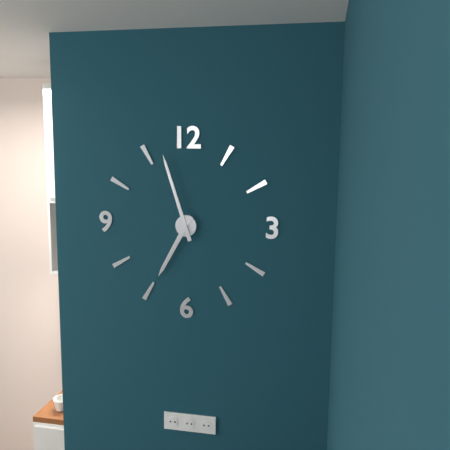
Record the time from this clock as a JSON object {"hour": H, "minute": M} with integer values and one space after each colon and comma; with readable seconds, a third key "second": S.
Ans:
{"hour": 6, "minute": 57}
